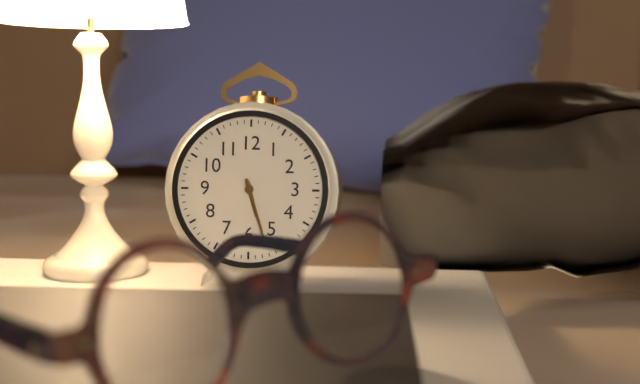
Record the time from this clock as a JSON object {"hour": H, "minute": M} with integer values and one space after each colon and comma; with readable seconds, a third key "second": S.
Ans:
{"hour": 5, "minute": 27}
